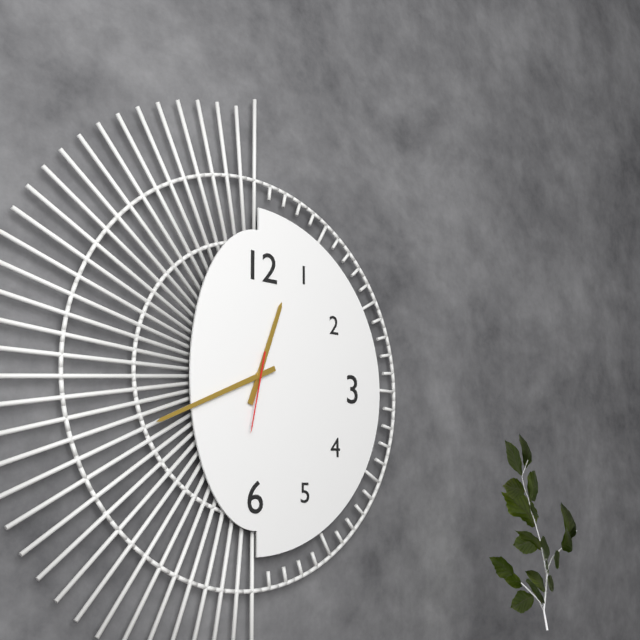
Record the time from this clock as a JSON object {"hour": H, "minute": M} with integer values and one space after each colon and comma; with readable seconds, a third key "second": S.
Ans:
{"hour": 12, "minute": 41, "second": 32}
